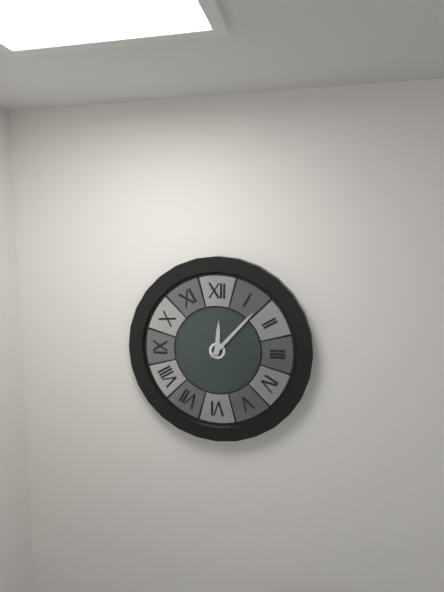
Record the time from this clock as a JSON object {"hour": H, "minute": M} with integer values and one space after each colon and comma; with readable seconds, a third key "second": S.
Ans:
{"hour": 12, "minute": 7}
